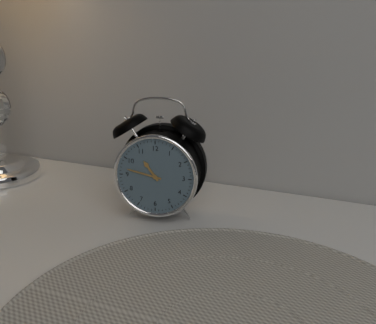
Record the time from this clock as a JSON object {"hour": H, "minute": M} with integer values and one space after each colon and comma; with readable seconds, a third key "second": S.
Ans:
{"hour": 10, "minute": 47}
